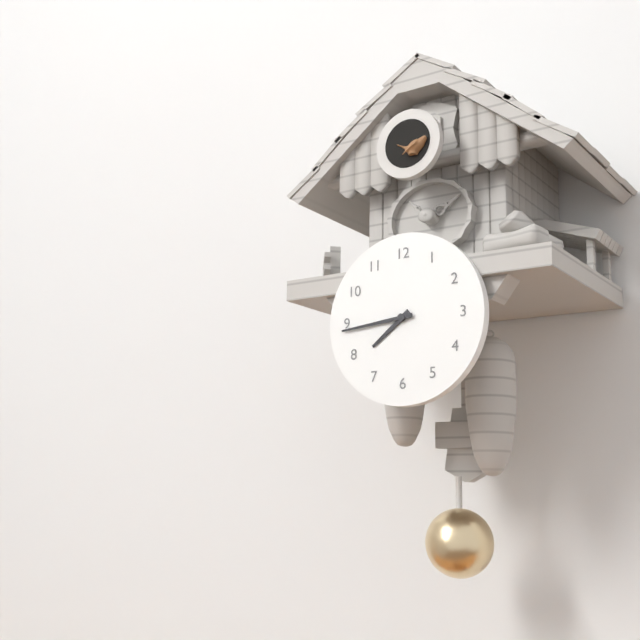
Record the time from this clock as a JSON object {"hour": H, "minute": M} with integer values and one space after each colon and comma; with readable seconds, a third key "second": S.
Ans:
{"hour": 7, "minute": 44}
